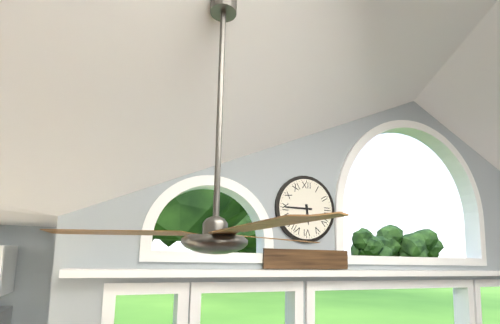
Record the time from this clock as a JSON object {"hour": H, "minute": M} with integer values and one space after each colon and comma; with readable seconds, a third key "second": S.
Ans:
{"hour": 5, "minute": 45}
